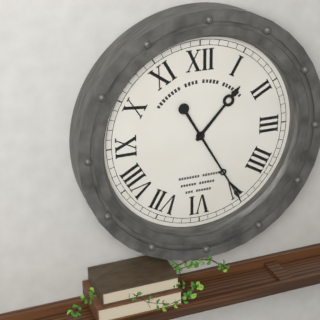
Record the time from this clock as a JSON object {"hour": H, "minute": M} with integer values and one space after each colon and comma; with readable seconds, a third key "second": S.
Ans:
{"hour": 1, "minute": 25}
